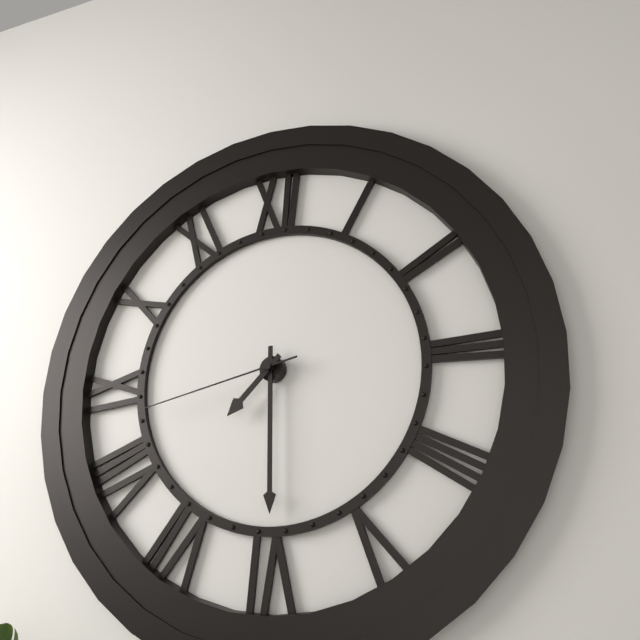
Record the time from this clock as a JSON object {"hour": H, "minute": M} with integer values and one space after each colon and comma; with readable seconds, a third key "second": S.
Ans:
{"hour": 7, "minute": 30, "second": 43}
